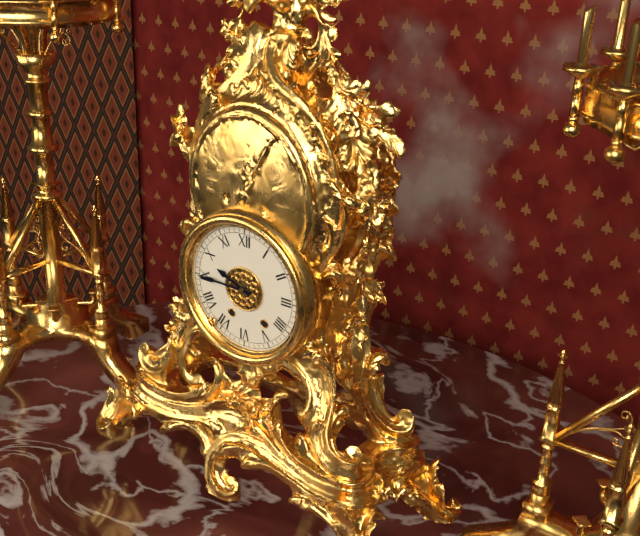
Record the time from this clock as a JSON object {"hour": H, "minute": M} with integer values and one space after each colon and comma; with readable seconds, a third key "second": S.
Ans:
{"hour": 9, "minute": 45}
